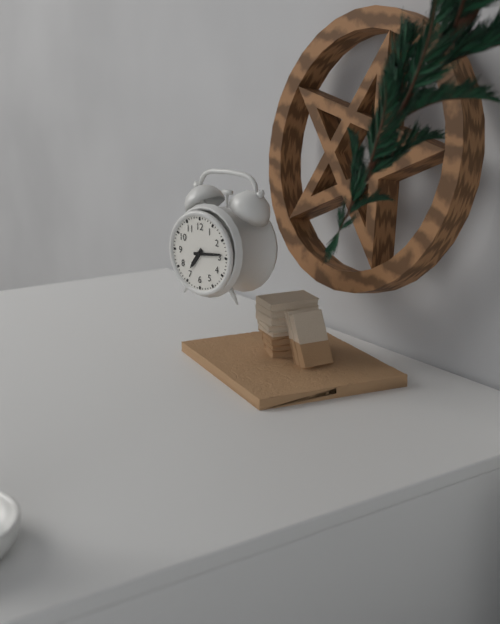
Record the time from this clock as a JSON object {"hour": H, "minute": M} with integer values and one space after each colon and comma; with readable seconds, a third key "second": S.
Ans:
{"hour": 7, "minute": 14}
